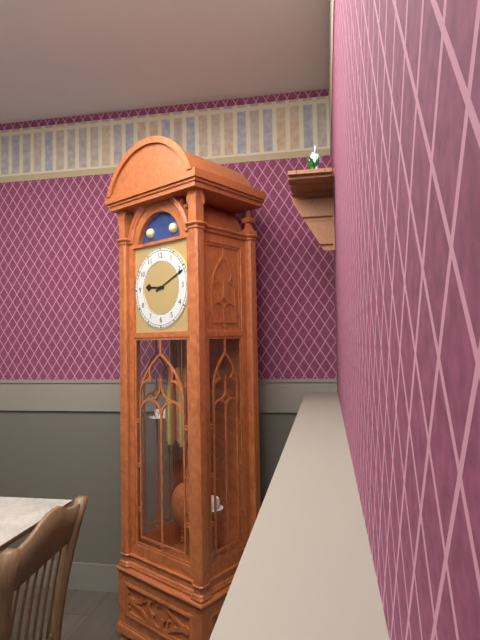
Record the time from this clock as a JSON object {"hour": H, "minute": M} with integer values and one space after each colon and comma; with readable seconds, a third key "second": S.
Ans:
{"hour": 9, "minute": 11}
